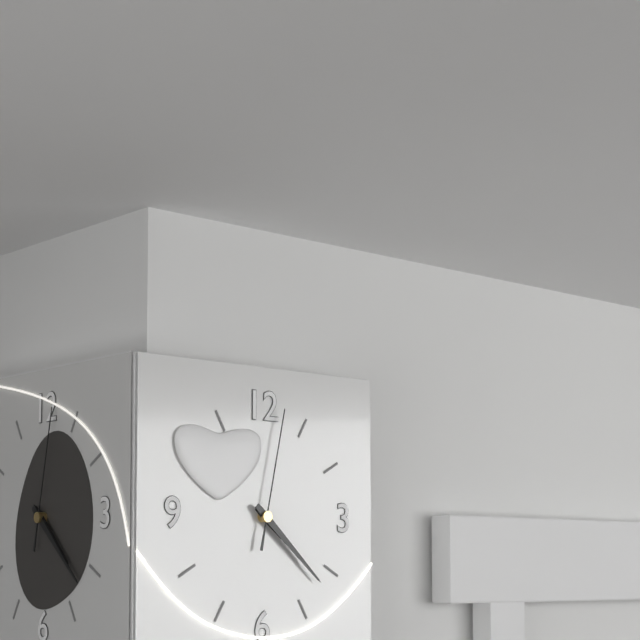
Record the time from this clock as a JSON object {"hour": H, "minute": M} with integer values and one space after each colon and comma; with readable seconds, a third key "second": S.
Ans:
{"hour": 4, "minute": 22, "second": 2}
